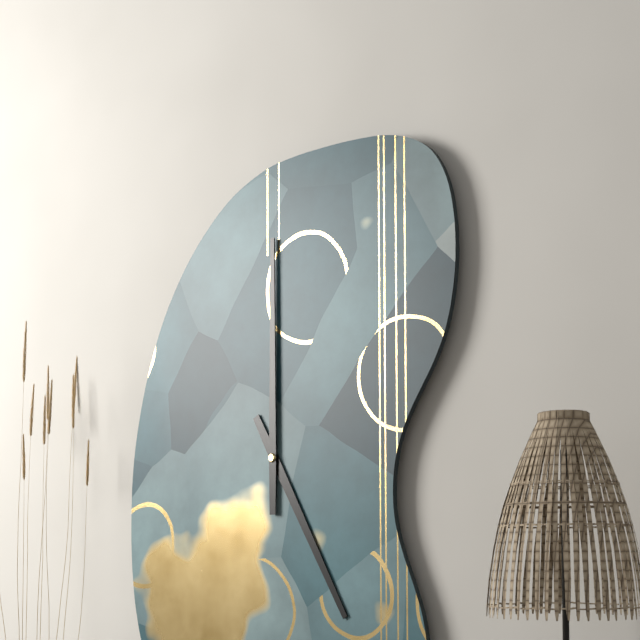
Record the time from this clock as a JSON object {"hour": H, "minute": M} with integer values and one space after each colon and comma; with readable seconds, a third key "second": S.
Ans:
{"hour": 5, "minute": 0}
